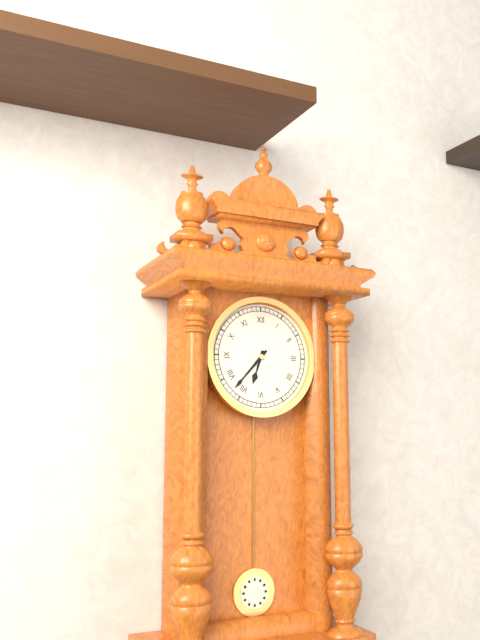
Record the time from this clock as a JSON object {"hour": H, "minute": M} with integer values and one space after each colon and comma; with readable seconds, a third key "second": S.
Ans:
{"hour": 6, "minute": 37}
